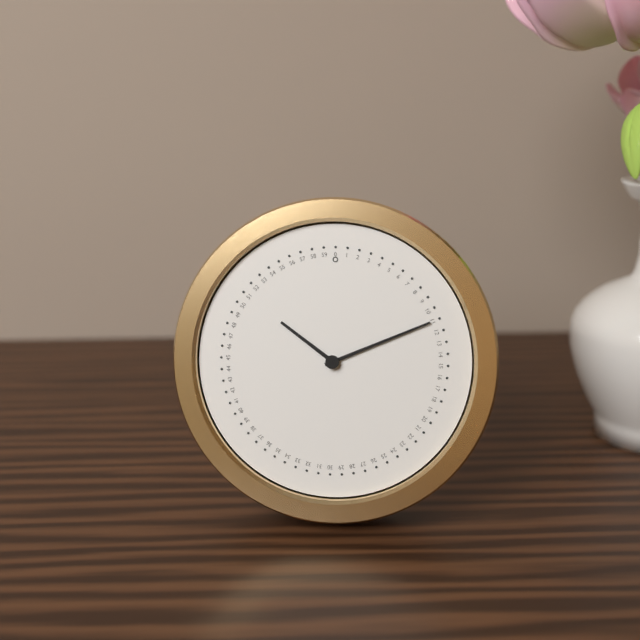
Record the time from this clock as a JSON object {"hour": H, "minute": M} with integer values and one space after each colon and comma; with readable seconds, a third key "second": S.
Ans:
{"hour": 10, "minute": 11}
